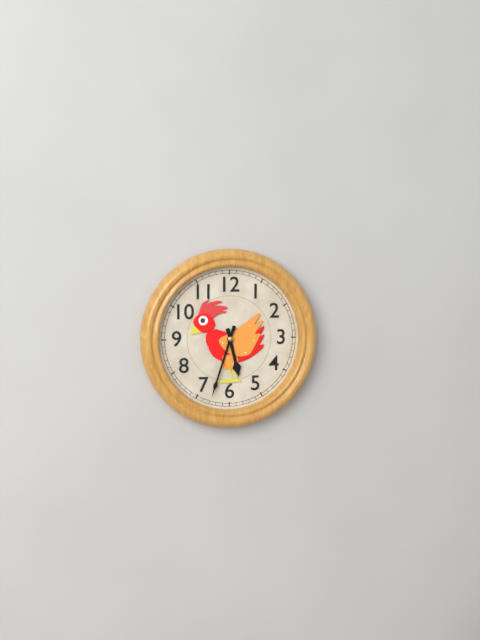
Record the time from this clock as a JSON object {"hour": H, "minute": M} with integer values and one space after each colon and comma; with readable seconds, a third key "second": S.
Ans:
{"hour": 5, "minute": 33}
